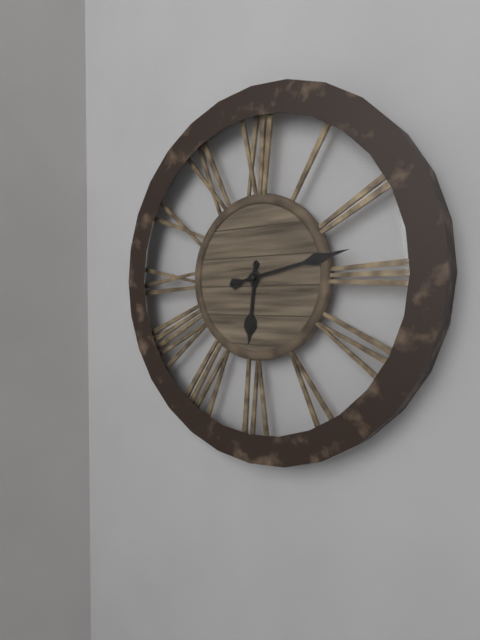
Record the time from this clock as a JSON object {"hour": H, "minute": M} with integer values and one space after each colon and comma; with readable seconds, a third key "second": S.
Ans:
{"hour": 6, "minute": 13}
